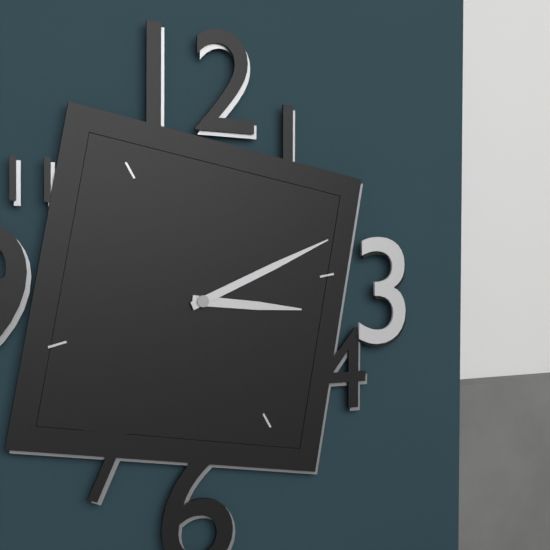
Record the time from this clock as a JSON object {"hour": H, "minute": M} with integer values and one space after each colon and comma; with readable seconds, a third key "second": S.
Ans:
{"hour": 3, "minute": 11}
